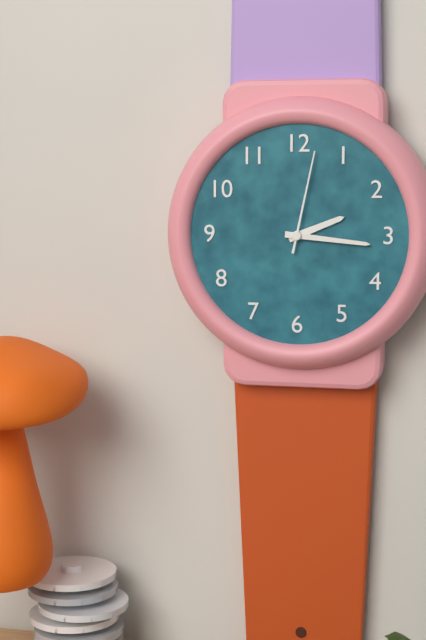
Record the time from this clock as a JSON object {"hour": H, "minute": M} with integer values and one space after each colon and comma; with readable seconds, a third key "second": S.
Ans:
{"hour": 2, "minute": 16, "second": 2}
